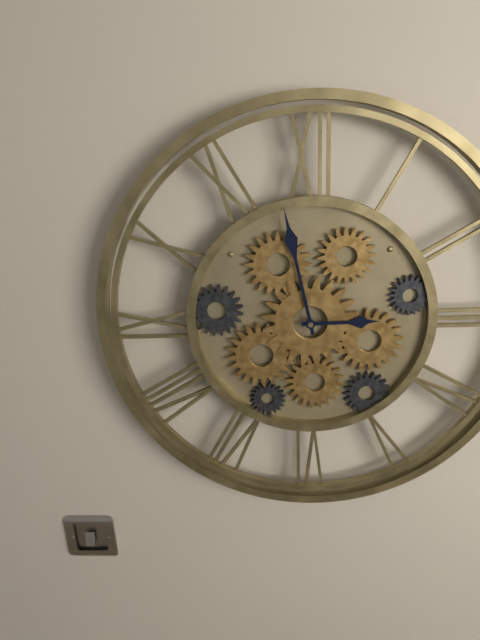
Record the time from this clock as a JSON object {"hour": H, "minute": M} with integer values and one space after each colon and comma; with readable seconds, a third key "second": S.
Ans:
{"hour": 2, "minute": 58}
